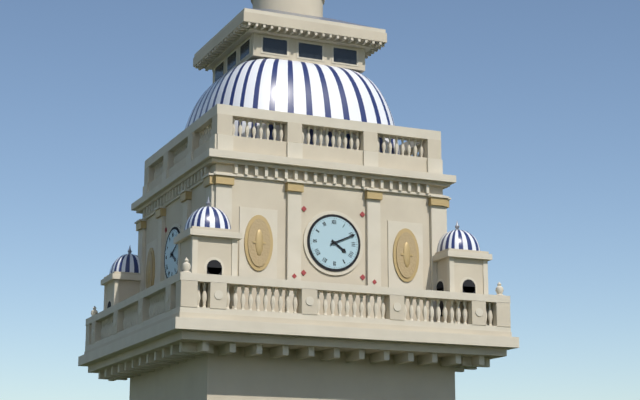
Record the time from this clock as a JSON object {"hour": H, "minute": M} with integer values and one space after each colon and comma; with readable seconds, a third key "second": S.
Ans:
{"hour": 4, "minute": 11}
